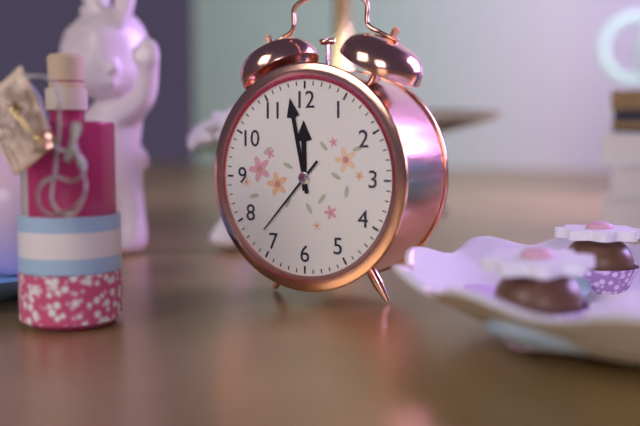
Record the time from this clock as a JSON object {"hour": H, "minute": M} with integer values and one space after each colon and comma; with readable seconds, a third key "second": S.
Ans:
{"hour": 11, "minute": 58, "second": 37}
